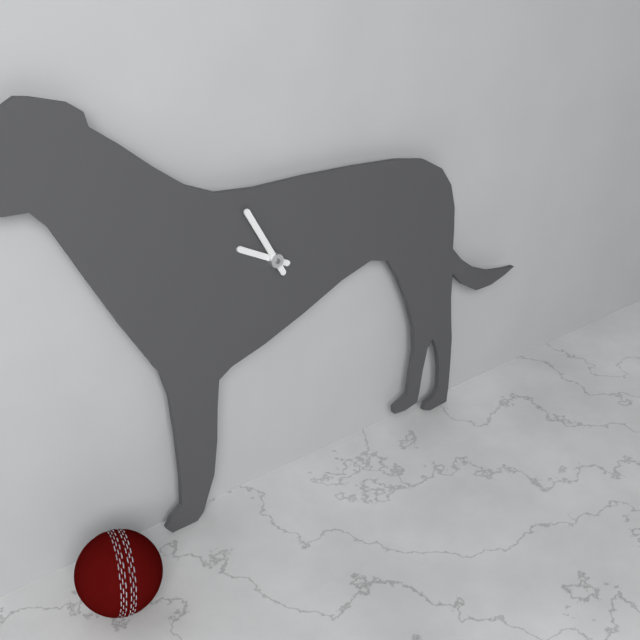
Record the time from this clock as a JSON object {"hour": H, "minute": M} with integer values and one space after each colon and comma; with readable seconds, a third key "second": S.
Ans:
{"hour": 9, "minute": 55}
